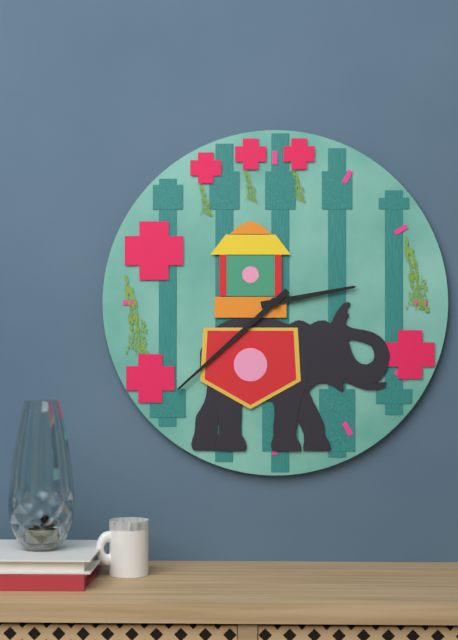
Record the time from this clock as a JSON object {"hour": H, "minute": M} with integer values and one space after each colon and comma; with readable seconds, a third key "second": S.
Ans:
{"hour": 2, "minute": 38}
